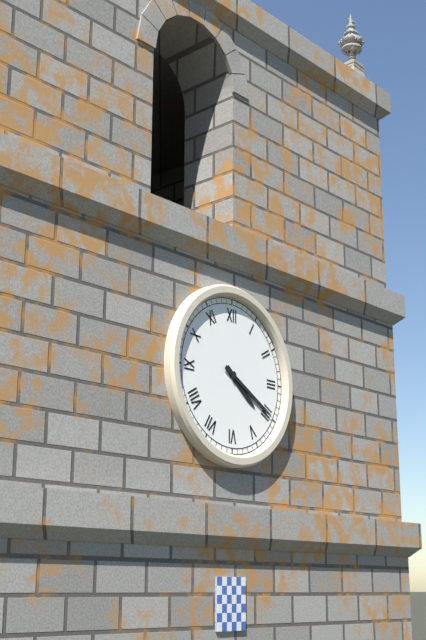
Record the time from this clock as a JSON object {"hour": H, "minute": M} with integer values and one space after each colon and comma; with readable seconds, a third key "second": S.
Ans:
{"hour": 4, "minute": 20}
